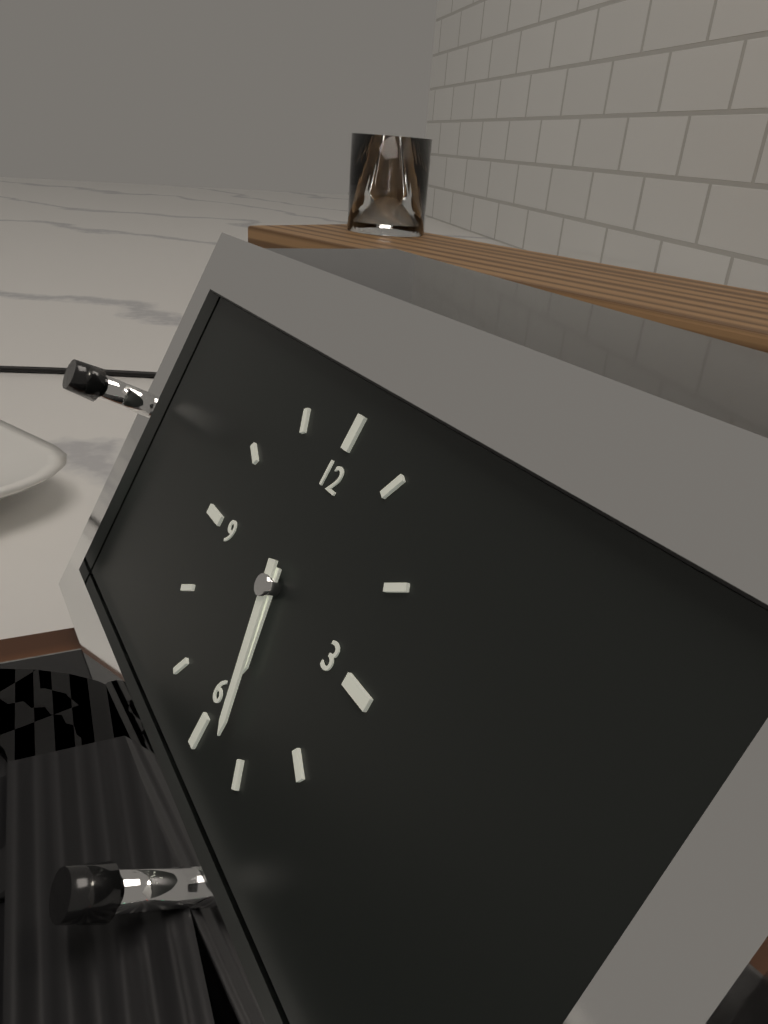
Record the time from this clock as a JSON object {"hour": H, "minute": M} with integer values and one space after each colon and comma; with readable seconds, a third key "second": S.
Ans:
{"hour": 5, "minute": 27}
